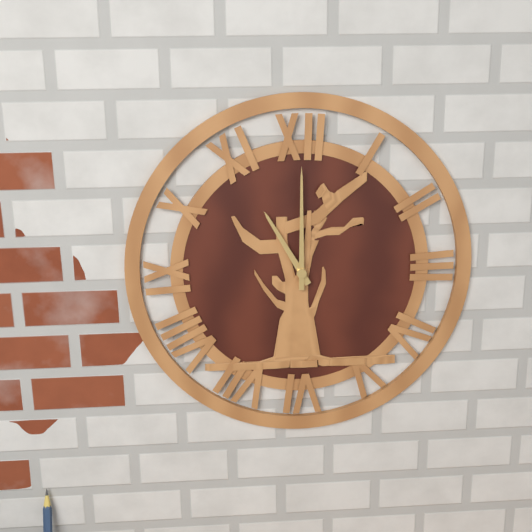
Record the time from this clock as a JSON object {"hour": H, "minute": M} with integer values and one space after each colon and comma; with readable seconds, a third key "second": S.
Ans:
{"hour": 11, "minute": 0}
